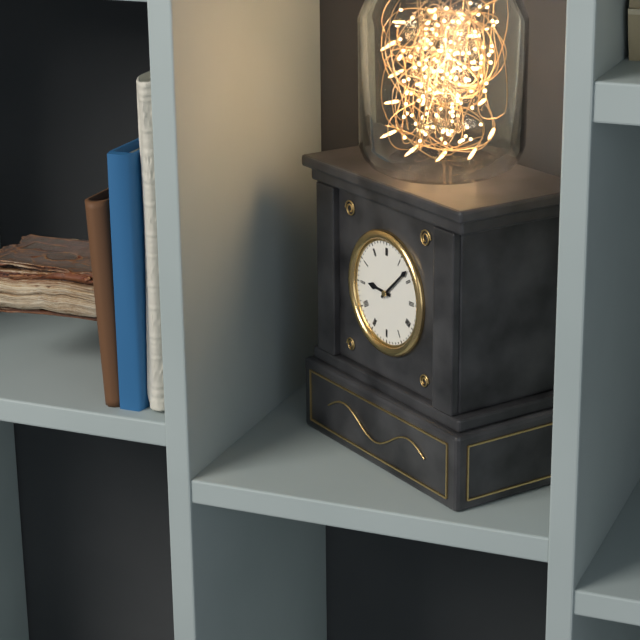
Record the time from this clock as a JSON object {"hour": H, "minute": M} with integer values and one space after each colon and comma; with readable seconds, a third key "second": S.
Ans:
{"hour": 9, "minute": 8}
